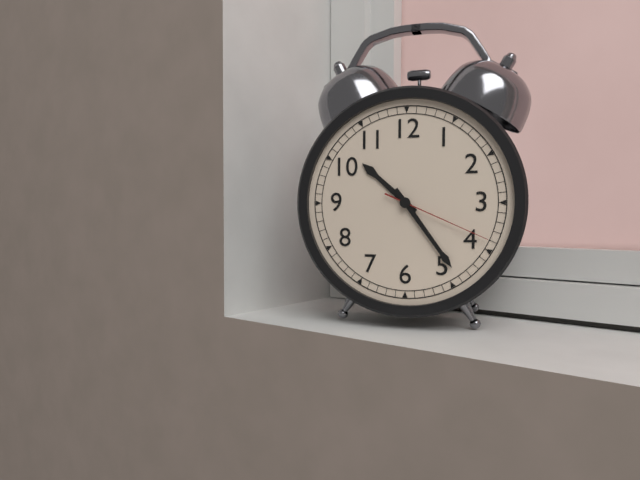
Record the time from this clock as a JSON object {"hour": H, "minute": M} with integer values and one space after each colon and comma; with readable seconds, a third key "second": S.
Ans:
{"hour": 10, "minute": 24, "second": 19}
